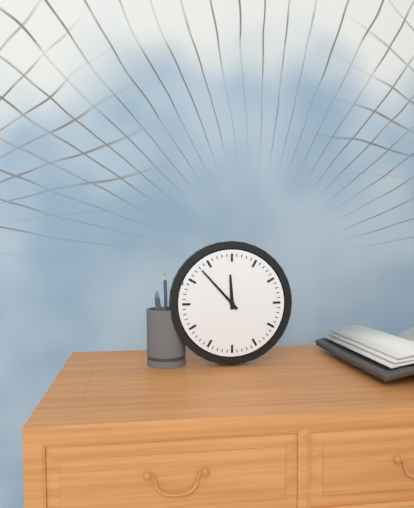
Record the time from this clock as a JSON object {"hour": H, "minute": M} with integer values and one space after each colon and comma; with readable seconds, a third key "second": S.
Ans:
{"hour": 11, "minute": 53}
